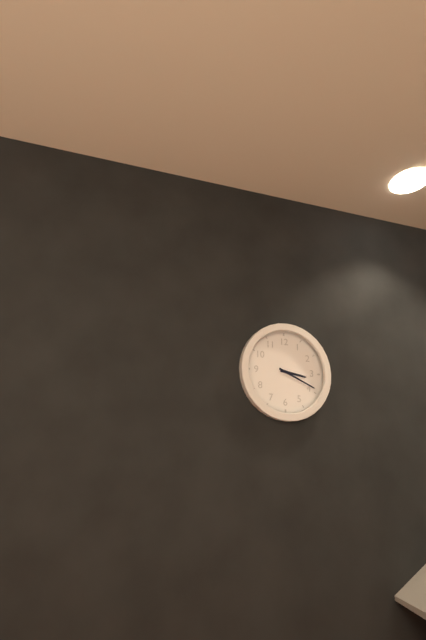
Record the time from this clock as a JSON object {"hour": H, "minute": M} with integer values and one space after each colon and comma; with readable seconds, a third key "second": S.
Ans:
{"hour": 3, "minute": 19}
